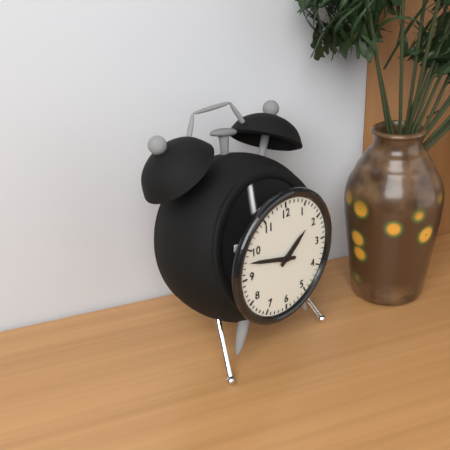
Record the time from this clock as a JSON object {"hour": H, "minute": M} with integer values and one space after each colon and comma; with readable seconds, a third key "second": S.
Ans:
{"hour": 1, "minute": 48}
